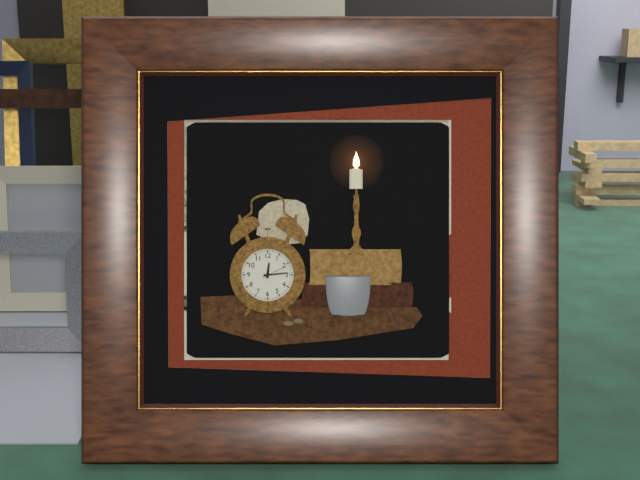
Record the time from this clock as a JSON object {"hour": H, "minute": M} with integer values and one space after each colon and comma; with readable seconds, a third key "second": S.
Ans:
{"hour": 12, "minute": 14}
